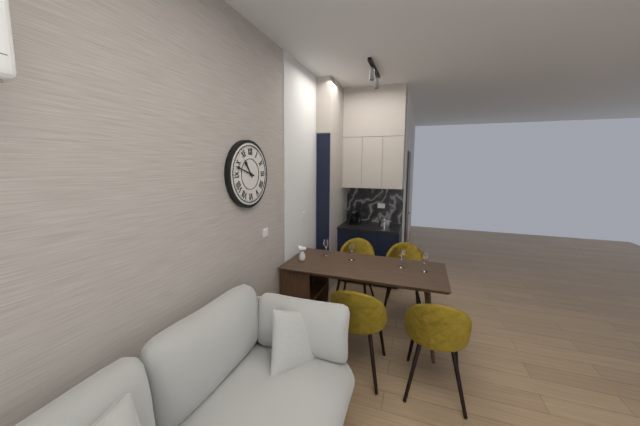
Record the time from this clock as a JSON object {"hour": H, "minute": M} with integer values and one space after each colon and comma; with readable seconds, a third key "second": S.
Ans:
{"hour": 10, "minute": 48}
